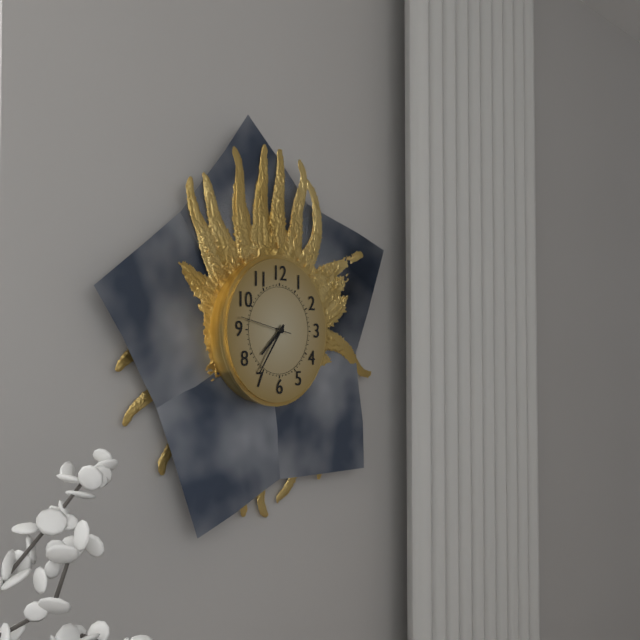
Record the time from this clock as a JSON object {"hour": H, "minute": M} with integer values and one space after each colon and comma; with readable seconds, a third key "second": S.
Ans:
{"hour": 7, "minute": 36, "second": 47}
